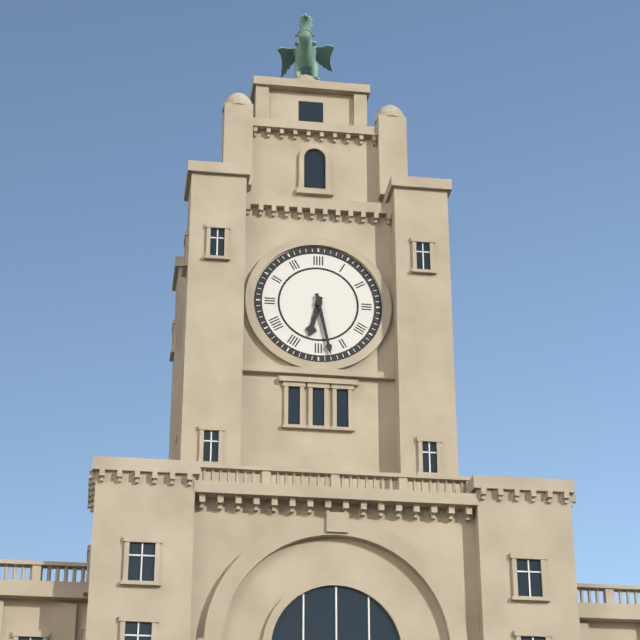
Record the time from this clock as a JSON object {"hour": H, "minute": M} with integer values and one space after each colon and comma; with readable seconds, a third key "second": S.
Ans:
{"hour": 6, "minute": 28}
